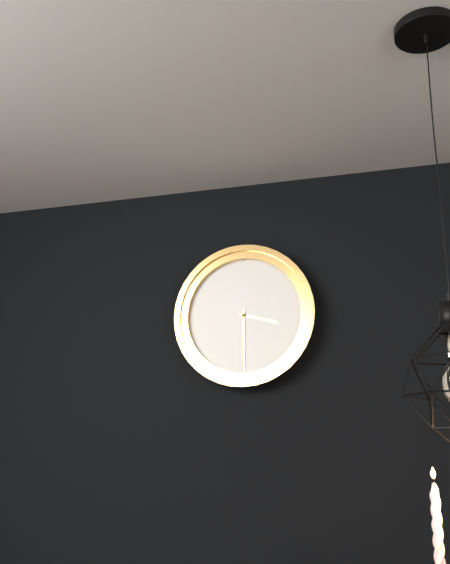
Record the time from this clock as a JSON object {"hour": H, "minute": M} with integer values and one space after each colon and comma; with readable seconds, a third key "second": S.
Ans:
{"hour": 3, "minute": 30}
